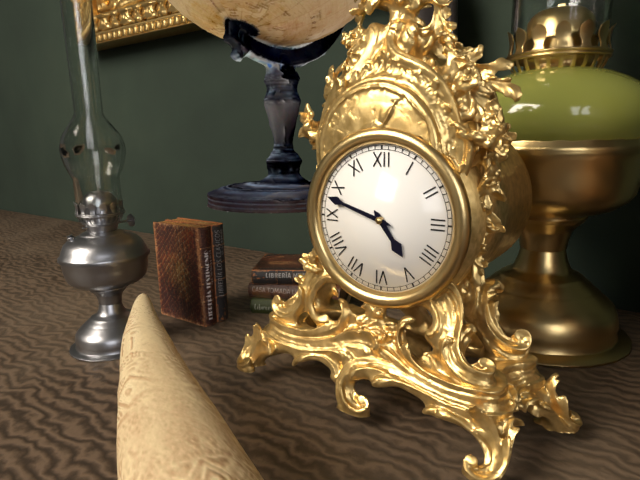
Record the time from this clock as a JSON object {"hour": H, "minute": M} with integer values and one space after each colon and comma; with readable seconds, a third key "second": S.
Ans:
{"hour": 4, "minute": 48}
